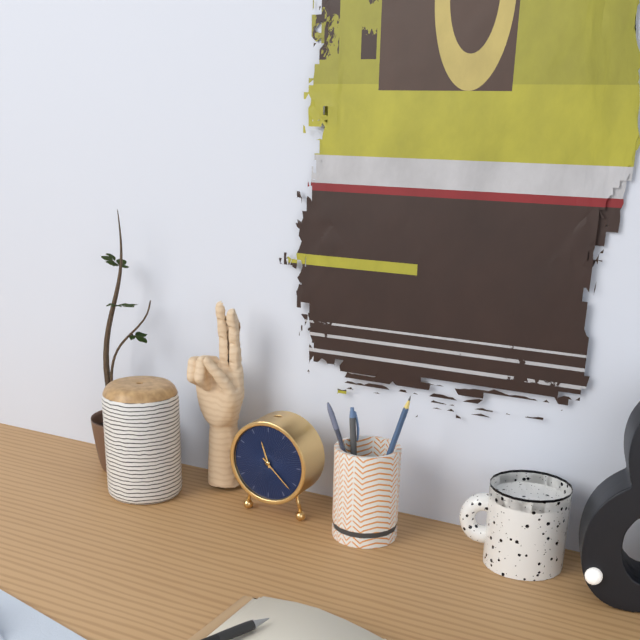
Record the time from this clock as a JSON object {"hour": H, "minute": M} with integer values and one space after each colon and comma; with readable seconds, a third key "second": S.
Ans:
{"hour": 11, "minute": 22}
